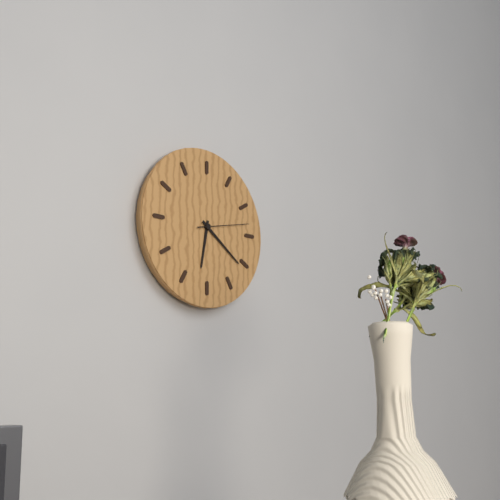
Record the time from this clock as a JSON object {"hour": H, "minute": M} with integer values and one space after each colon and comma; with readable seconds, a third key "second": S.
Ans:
{"hour": 6, "minute": 21, "second": 13}
